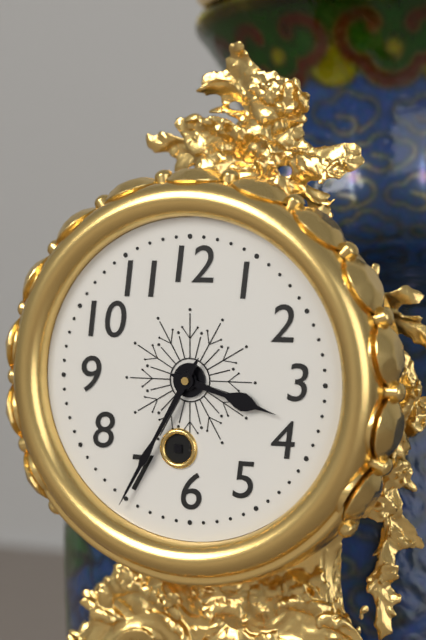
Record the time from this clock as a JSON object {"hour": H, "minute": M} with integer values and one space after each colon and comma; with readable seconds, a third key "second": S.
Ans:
{"hour": 3, "minute": 35}
